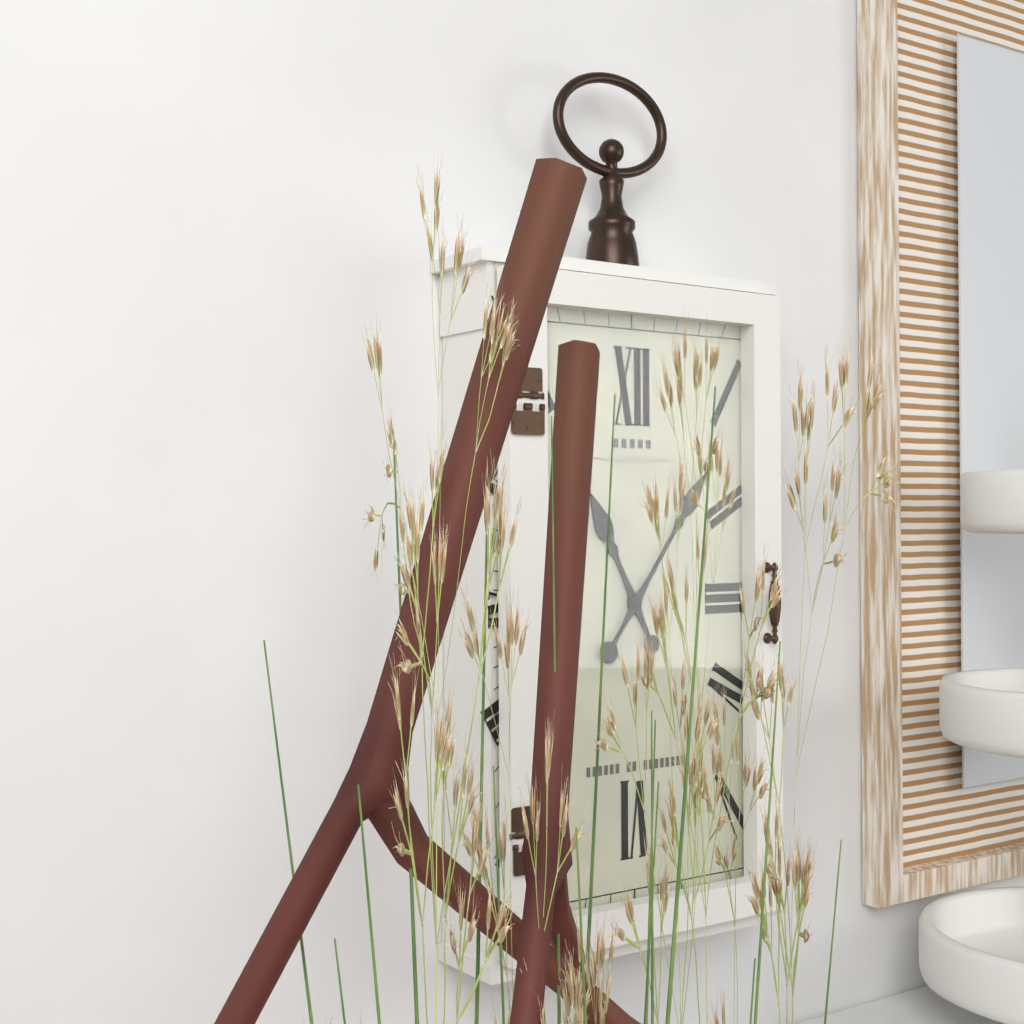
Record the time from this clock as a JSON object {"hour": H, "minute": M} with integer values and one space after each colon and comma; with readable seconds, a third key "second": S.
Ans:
{"hour": 11, "minute": 6}
